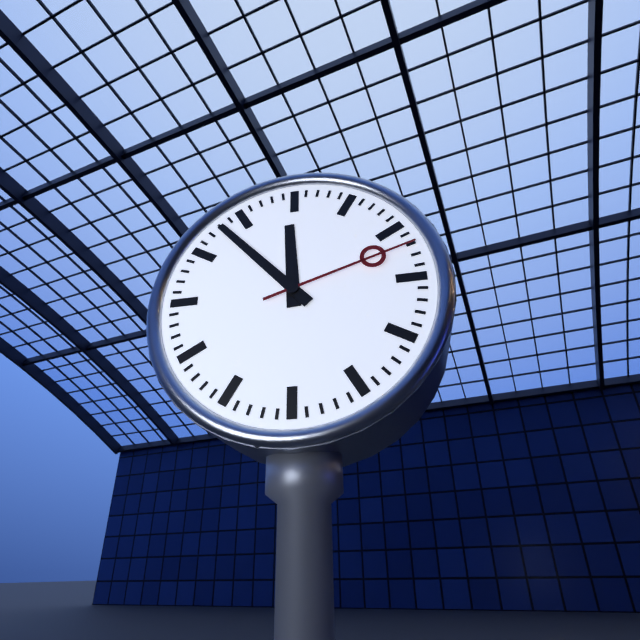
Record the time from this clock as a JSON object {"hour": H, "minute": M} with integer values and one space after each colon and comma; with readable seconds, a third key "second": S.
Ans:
{"hour": 11, "minute": 53, "second": 12}
